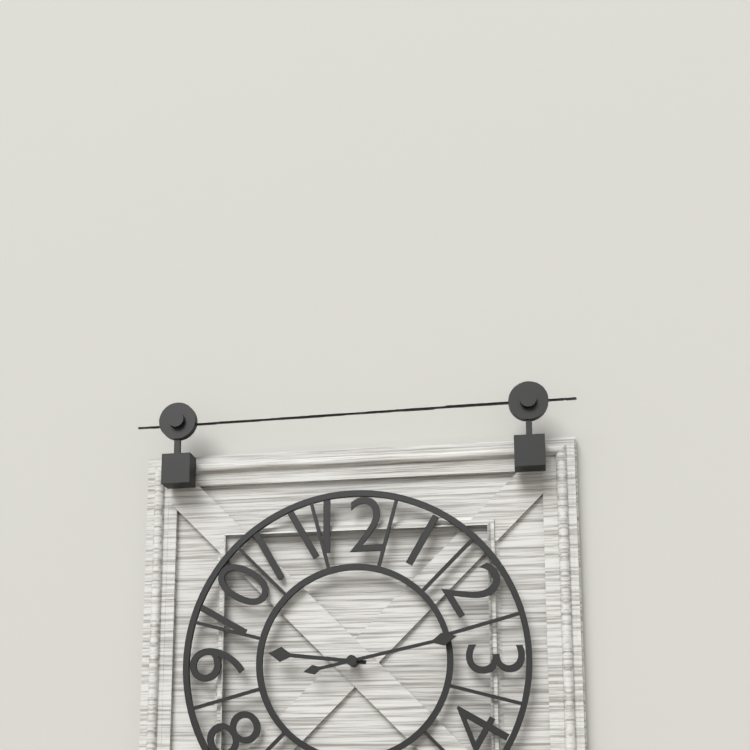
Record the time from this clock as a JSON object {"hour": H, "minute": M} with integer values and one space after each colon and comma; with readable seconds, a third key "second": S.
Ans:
{"hour": 9, "minute": 13}
